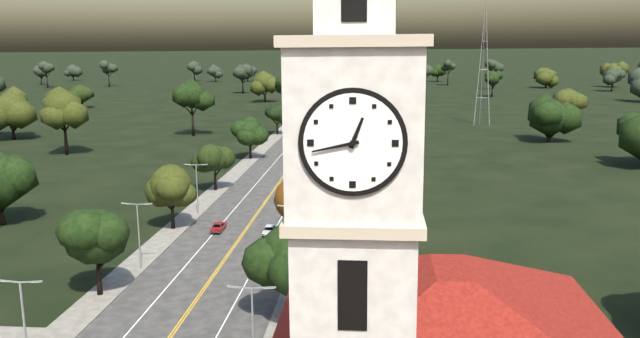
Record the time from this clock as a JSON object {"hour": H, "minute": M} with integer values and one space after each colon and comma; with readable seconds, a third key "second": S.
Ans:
{"hour": 12, "minute": 43}
